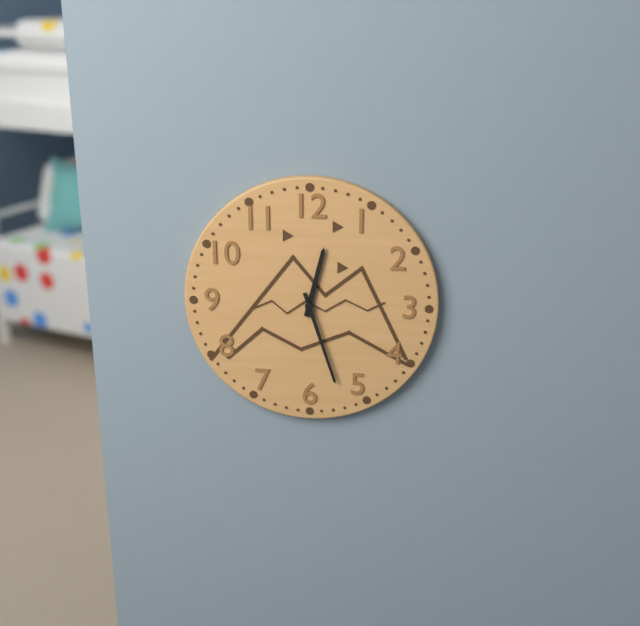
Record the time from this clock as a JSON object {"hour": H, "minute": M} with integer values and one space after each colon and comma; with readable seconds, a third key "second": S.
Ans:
{"hour": 12, "minute": 27}
